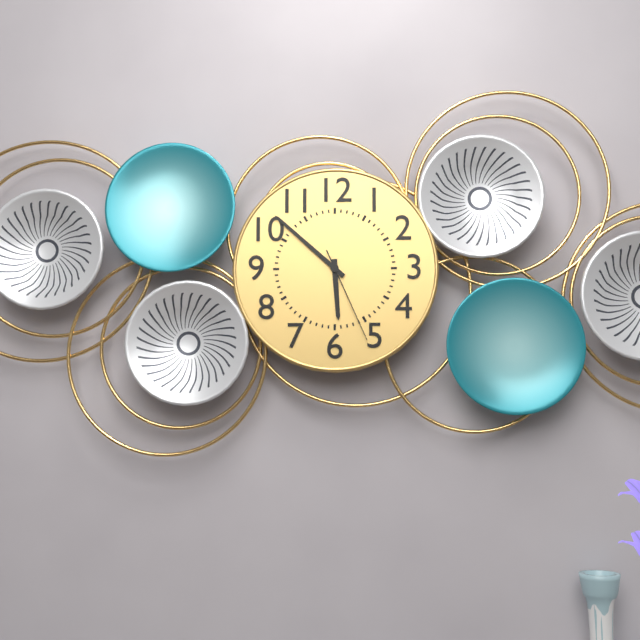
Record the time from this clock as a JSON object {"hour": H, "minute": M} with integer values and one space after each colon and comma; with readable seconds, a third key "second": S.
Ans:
{"hour": 5, "minute": 52, "second": 26}
